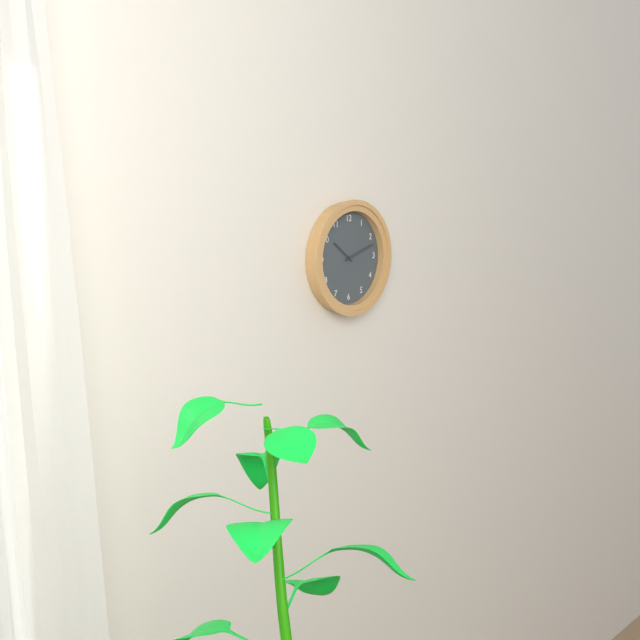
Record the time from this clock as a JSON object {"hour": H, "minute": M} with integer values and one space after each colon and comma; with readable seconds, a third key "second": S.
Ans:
{"hour": 10, "minute": 12}
